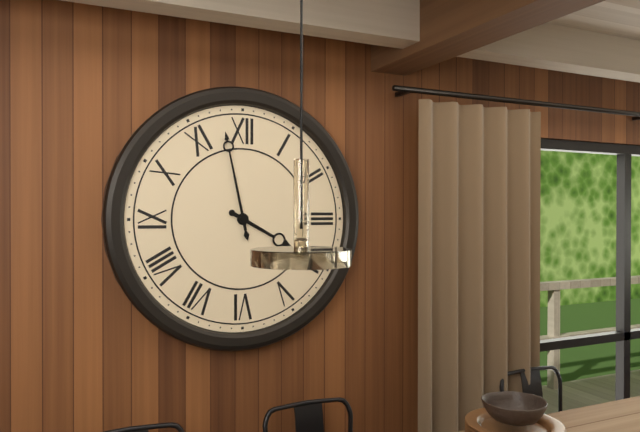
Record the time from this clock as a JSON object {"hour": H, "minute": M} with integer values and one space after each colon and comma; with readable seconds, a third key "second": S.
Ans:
{"hour": 3, "minute": 58}
